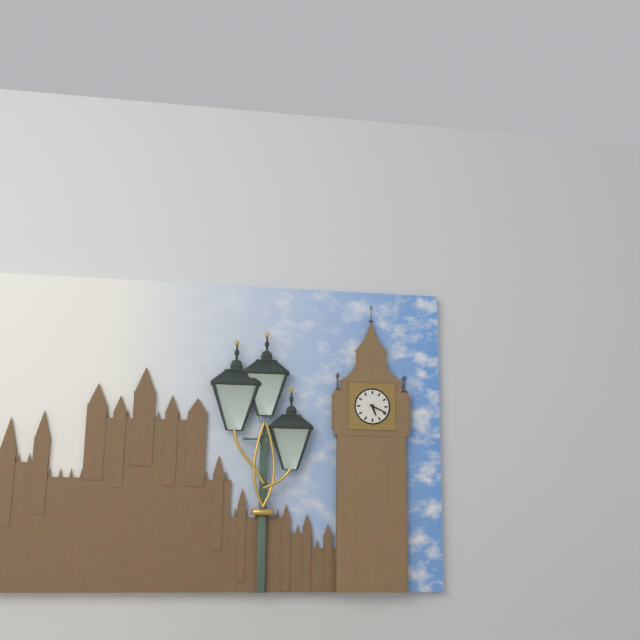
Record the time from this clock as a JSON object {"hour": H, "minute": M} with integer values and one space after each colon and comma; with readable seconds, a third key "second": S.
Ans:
{"hour": 5, "minute": 19}
